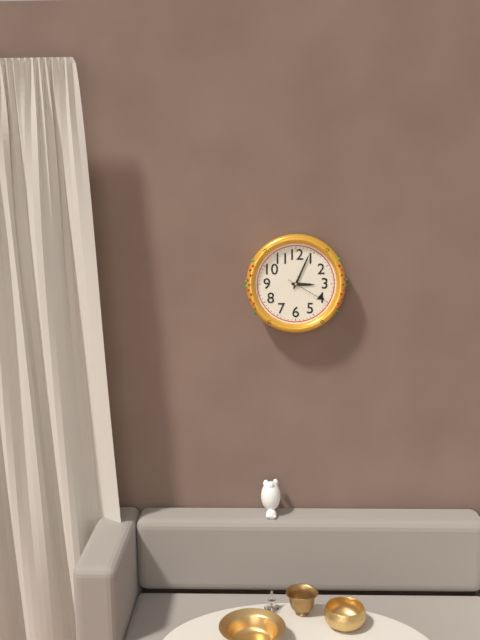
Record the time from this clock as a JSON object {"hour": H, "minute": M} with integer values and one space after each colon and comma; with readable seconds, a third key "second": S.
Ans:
{"hour": 3, "minute": 4}
